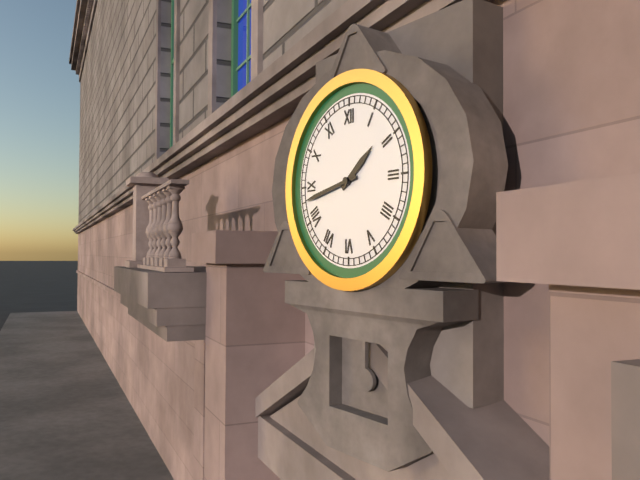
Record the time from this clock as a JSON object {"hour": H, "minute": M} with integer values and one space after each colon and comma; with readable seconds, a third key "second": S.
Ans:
{"hour": 1, "minute": 43}
